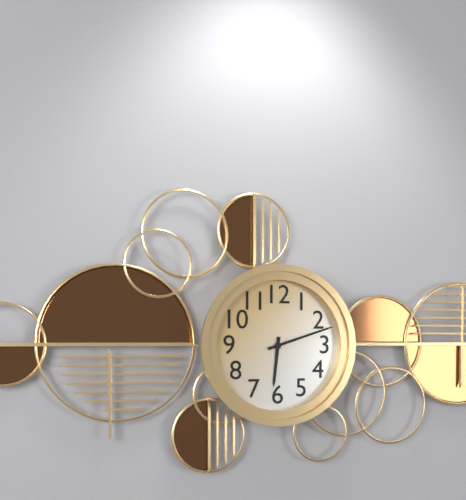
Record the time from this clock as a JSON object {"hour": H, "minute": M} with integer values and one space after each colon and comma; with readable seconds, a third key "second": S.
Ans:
{"hour": 6, "minute": 12}
